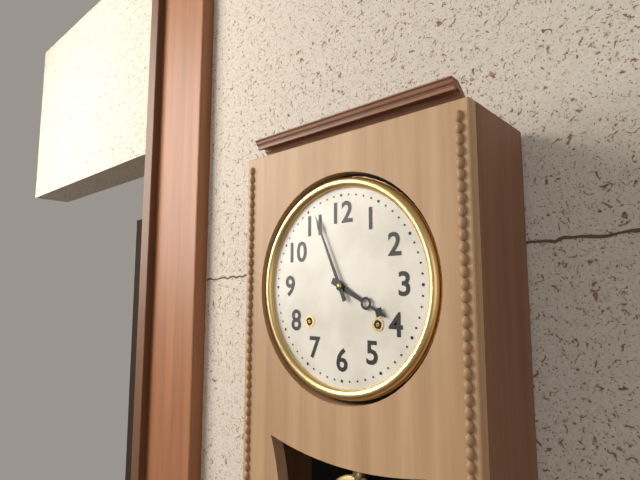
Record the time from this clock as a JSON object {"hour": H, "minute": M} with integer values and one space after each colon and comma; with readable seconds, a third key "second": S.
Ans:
{"hour": 3, "minute": 56}
